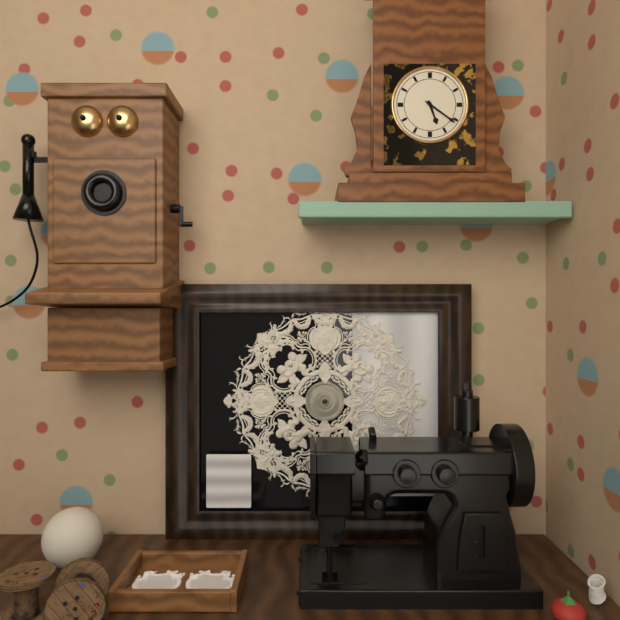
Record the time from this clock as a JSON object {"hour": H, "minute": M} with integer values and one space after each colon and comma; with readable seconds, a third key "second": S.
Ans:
{"hour": 5, "minute": 21}
